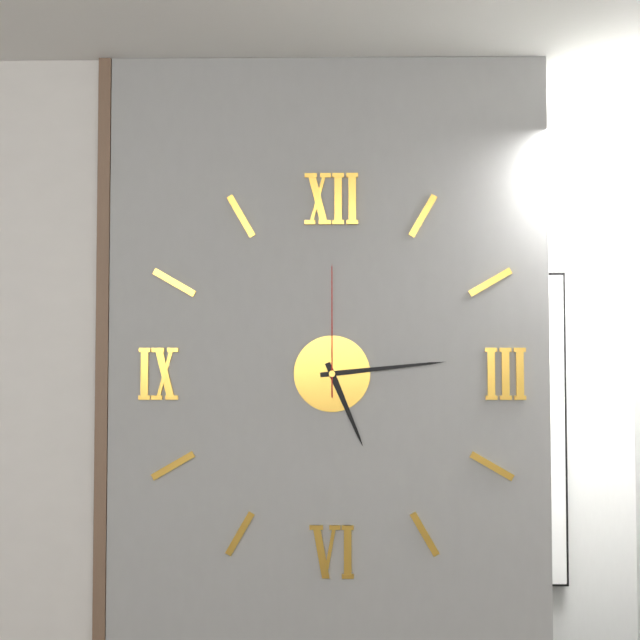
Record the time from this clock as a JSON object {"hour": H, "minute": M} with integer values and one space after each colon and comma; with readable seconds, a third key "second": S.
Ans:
{"hour": 5, "minute": 14, "second": 0}
